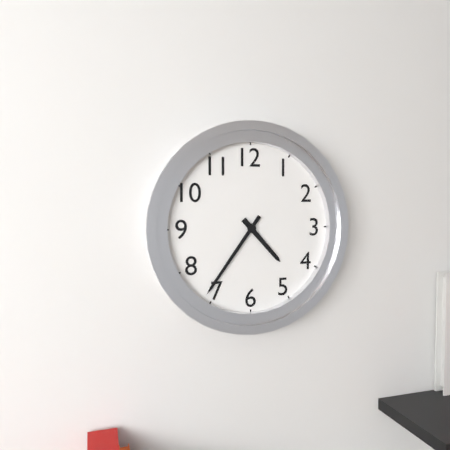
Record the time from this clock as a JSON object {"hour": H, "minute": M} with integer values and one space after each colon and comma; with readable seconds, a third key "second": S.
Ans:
{"hour": 4, "minute": 36}
